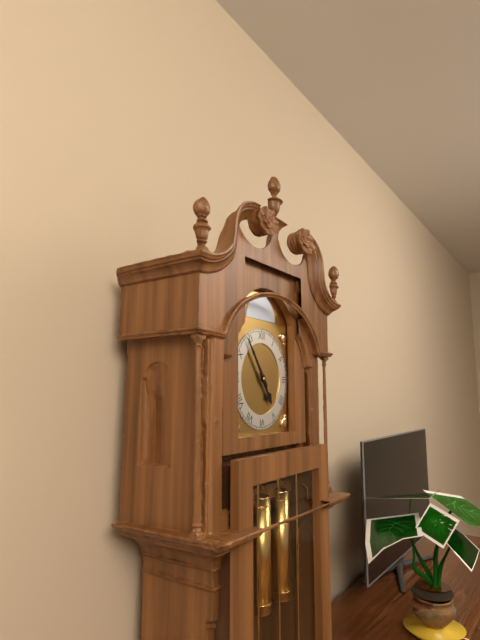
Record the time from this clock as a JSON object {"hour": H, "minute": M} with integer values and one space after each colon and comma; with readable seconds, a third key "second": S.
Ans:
{"hour": 4, "minute": 54}
